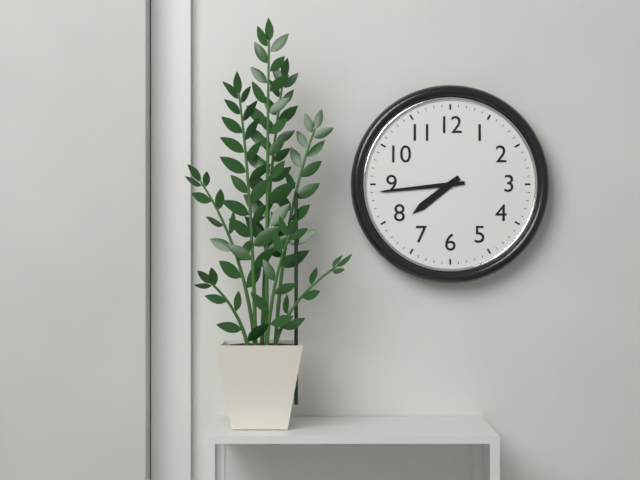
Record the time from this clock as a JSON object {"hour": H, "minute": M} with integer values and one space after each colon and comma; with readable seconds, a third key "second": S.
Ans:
{"hour": 7, "minute": 44}
